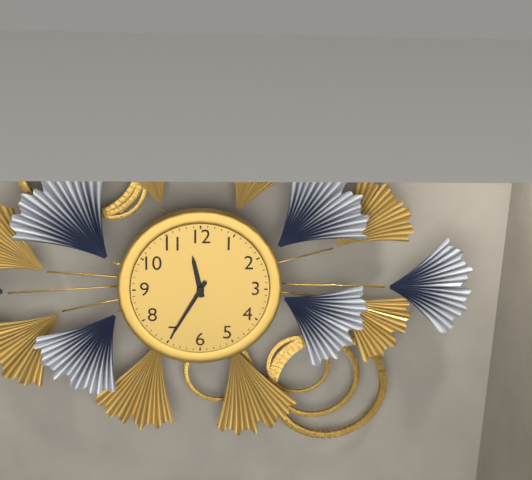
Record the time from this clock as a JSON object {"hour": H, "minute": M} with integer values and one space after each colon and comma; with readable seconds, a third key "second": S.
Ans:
{"hour": 11, "minute": 35}
